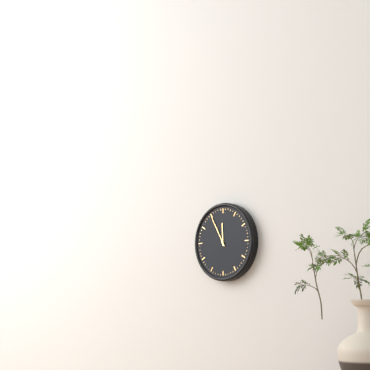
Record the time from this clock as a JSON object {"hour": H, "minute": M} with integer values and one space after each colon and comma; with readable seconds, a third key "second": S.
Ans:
{"hour": 11, "minute": 55}
